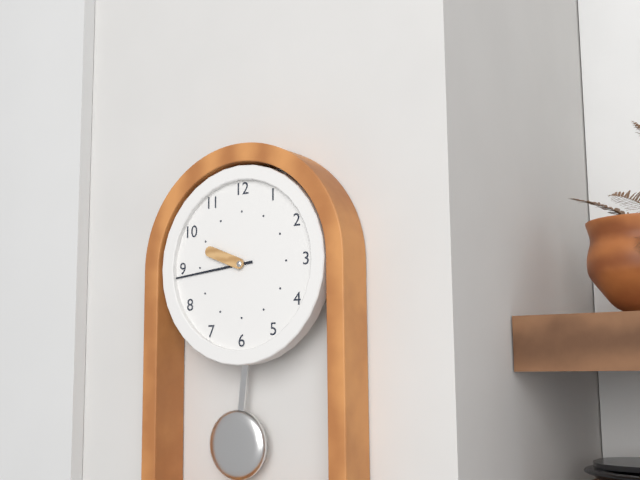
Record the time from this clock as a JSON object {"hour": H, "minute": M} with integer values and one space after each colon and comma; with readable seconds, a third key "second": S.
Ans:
{"hour": 9, "minute": 44}
